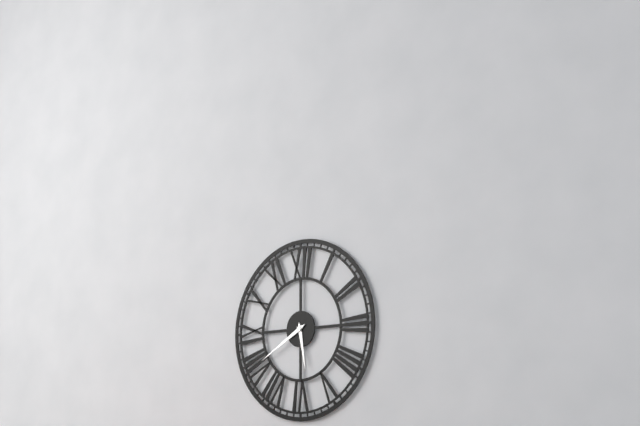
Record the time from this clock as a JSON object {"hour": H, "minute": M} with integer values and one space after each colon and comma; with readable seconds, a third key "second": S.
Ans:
{"hour": 5, "minute": 40}
